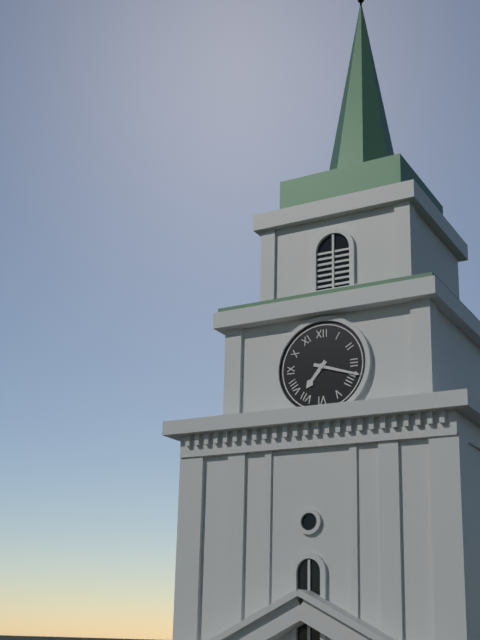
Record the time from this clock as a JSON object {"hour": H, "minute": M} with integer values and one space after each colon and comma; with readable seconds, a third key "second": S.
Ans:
{"hour": 7, "minute": 18}
